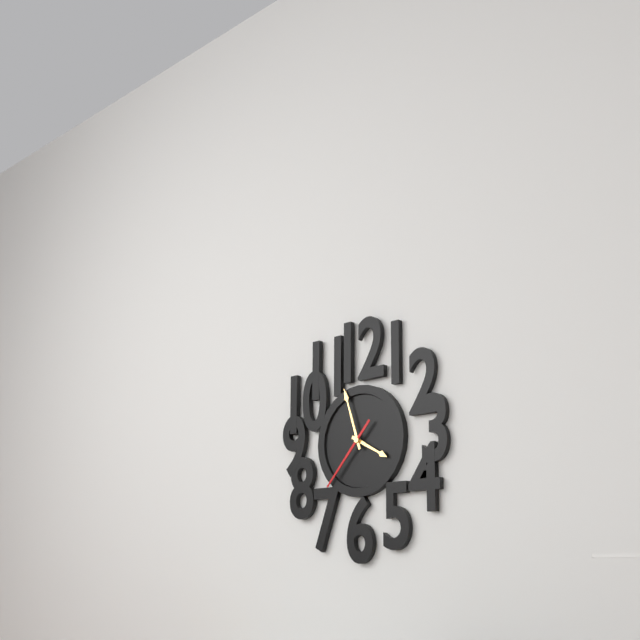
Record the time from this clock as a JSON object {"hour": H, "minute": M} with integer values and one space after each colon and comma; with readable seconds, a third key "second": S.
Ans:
{"hour": 3, "minute": 57, "second": 37}
